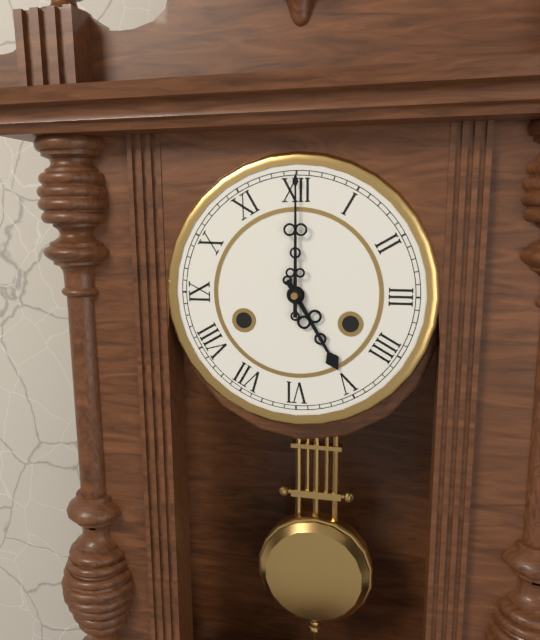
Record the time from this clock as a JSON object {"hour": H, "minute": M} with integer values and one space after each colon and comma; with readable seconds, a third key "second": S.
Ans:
{"hour": 5, "minute": 0}
